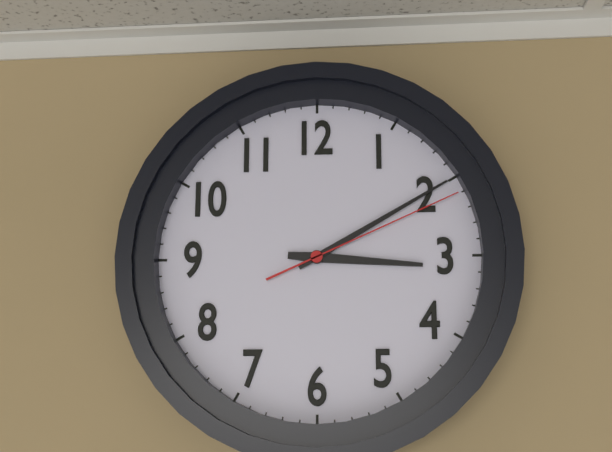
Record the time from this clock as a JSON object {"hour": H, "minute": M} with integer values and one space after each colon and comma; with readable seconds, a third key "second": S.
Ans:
{"hour": 3, "minute": 10, "second": 11}
